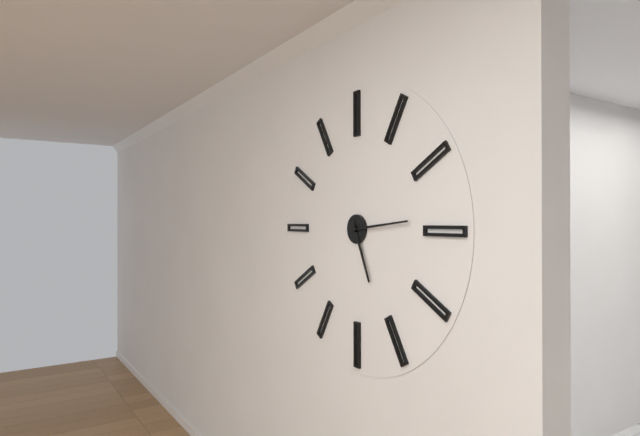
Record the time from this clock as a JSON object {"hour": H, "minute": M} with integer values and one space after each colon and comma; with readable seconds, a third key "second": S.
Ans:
{"hour": 5, "minute": 14}
